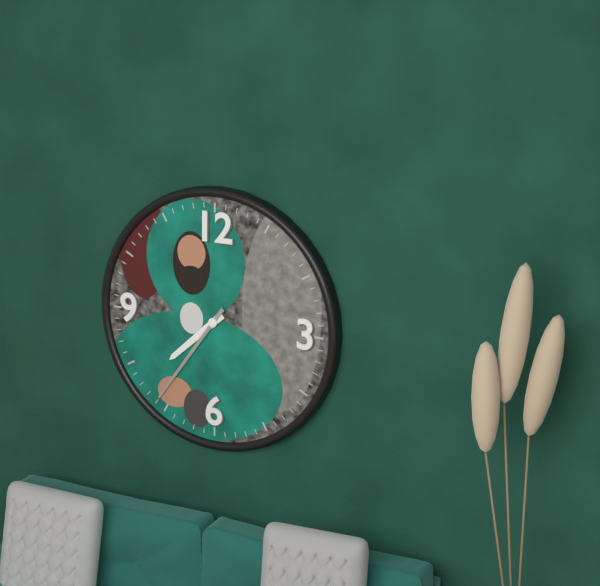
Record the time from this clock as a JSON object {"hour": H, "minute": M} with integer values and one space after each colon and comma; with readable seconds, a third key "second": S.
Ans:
{"hour": 7, "minute": 36}
